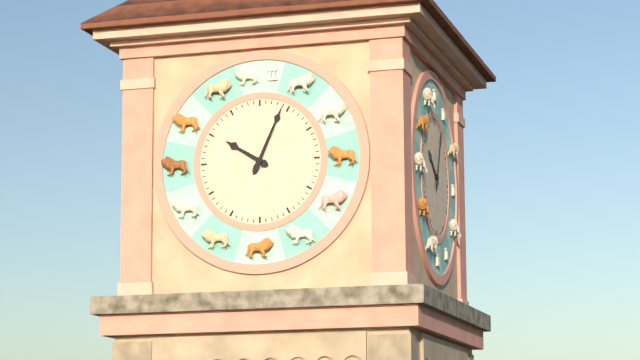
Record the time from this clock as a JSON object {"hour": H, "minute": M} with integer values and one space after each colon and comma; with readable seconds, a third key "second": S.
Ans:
{"hour": 10, "minute": 4}
